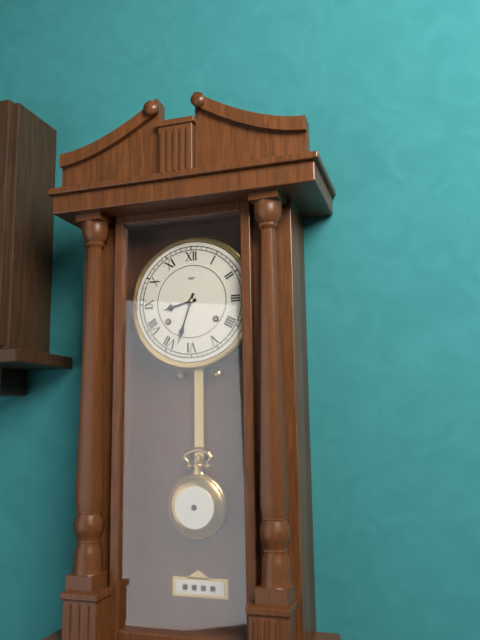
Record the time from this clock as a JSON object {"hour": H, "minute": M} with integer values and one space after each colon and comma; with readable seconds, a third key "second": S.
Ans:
{"hour": 8, "minute": 33}
